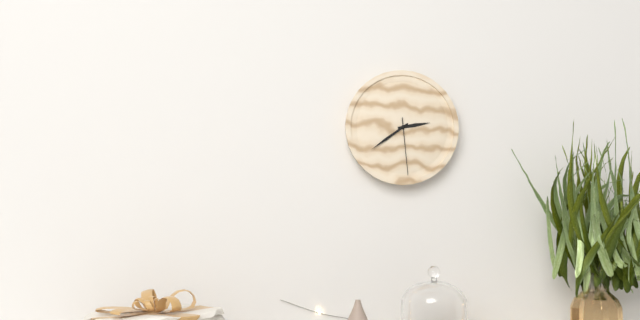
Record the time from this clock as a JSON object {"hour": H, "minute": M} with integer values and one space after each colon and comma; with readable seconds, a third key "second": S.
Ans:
{"hour": 2, "minute": 39, "second": 29}
